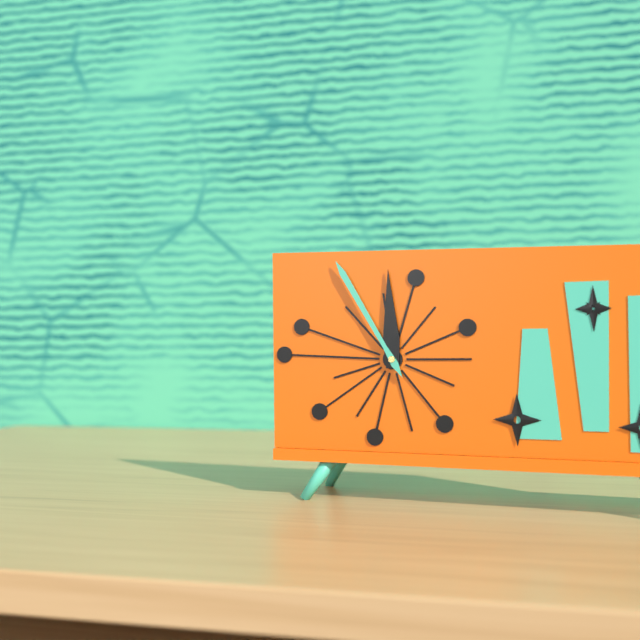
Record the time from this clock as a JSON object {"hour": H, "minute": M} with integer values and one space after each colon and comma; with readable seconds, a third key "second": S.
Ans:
{"hour": 11, "minute": 55}
